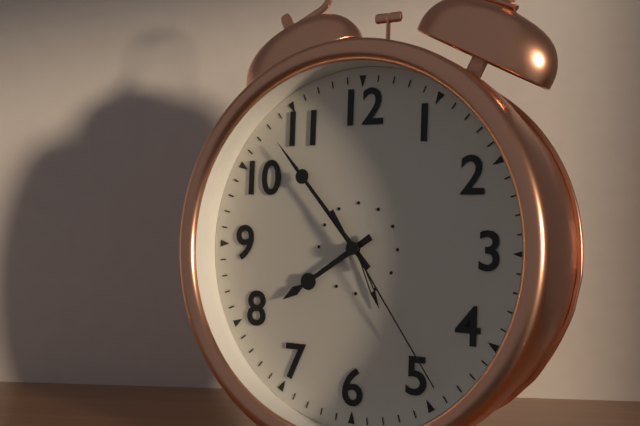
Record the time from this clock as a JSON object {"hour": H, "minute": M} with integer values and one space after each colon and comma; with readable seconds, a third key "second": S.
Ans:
{"hour": 7, "minute": 53, "second": 24}
